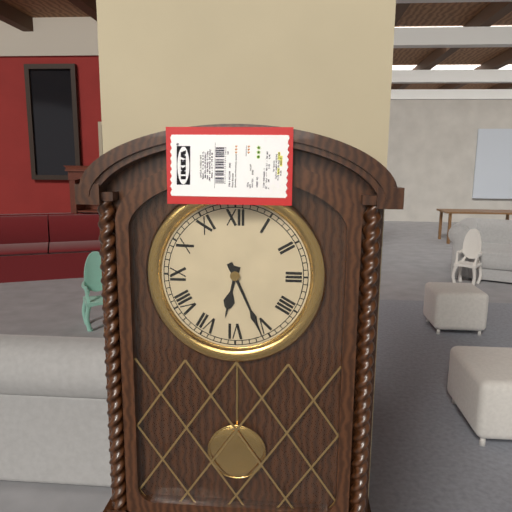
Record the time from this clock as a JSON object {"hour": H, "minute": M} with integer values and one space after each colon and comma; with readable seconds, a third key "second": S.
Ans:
{"hour": 6, "minute": 26}
